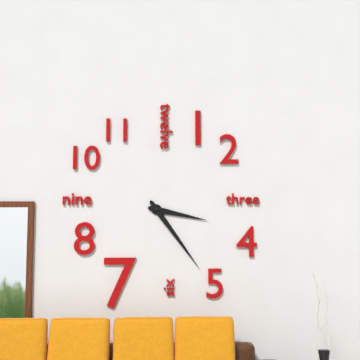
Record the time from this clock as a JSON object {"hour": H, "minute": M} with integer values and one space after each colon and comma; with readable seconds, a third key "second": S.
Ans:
{"hour": 3, "minute": 24}
